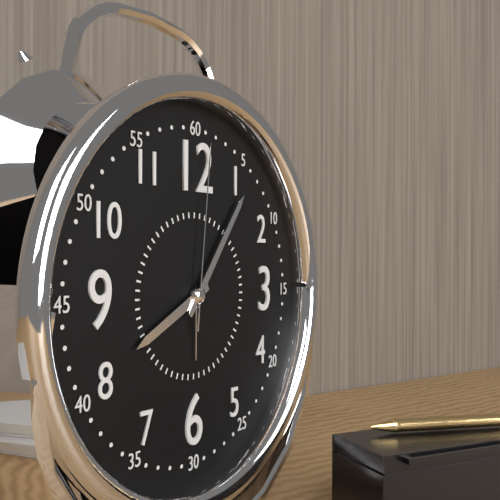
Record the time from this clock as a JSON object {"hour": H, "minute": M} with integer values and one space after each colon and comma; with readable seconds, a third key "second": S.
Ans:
{"hour": 8, "minute": 6, "second": 1}
